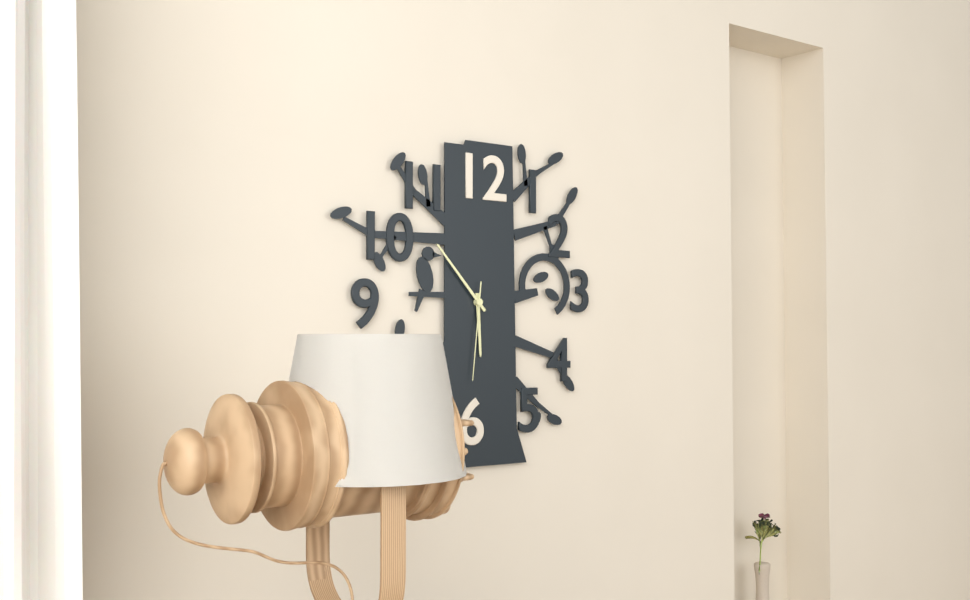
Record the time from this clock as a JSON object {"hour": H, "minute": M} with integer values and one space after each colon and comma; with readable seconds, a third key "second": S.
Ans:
{"hour": 5, "minute": 53, "second": 31}
